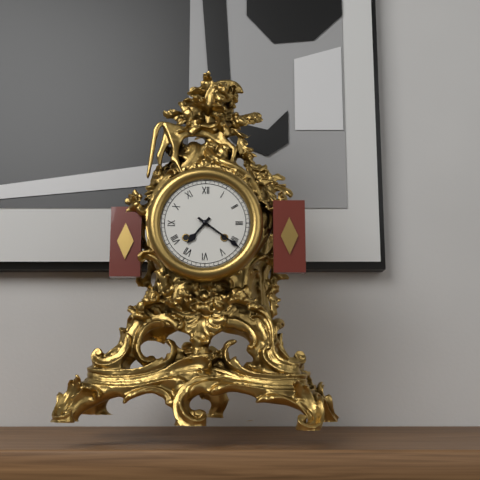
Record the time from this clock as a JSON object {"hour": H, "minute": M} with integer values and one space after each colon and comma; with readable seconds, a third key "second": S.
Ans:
{"hour": 7, "minute": 21}
